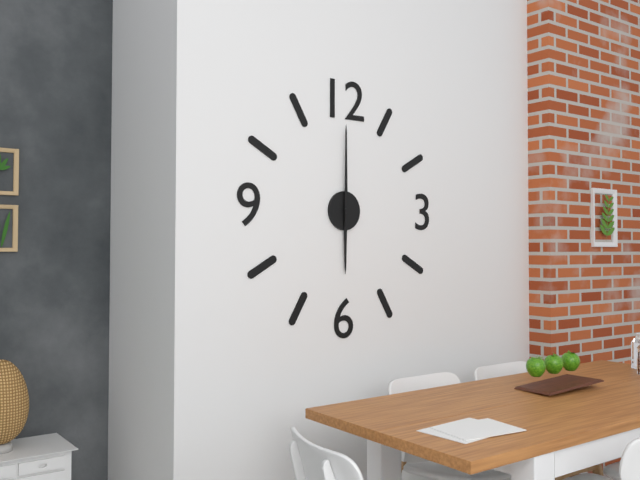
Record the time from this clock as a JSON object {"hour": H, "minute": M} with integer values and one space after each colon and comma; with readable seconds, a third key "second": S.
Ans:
{"hour": 6, "minute": 0}
